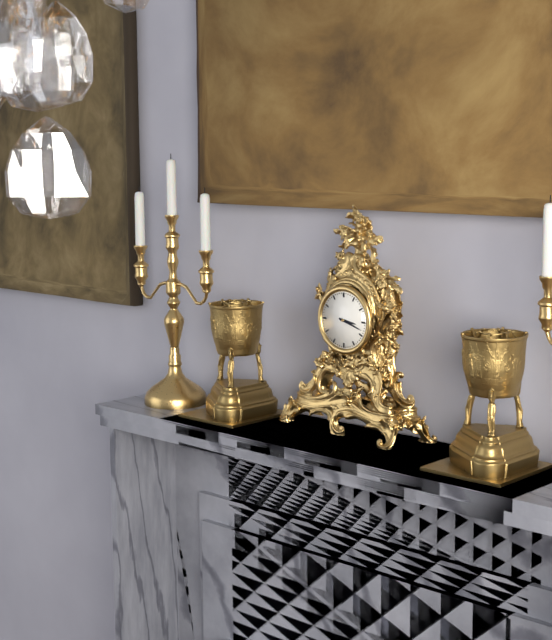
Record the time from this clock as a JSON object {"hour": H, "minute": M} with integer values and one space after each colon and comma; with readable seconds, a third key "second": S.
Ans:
{"hour": 3, "minute": 18}
